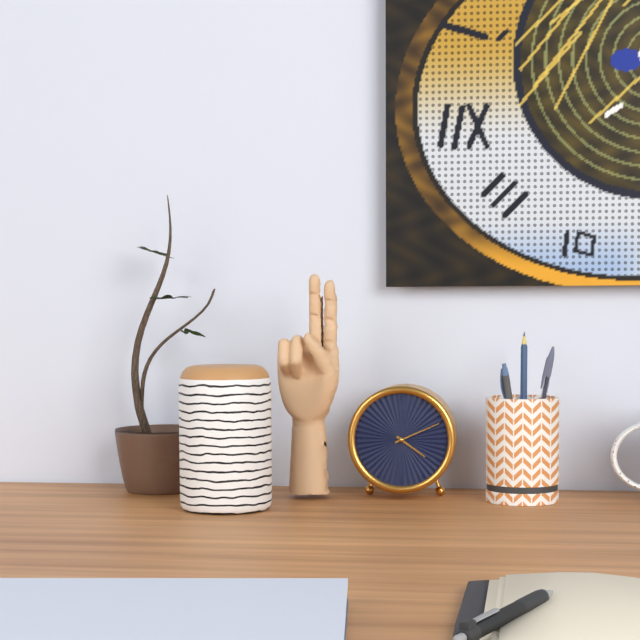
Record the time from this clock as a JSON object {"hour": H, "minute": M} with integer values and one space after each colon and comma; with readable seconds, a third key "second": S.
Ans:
{"hour": 4, "minute": 11}
